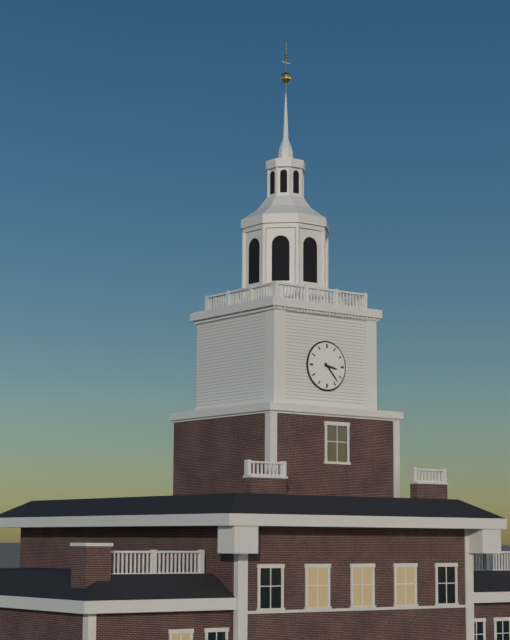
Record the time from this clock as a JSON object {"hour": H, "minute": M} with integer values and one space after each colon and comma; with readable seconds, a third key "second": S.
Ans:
{"hour": 3, "minute": 23}
